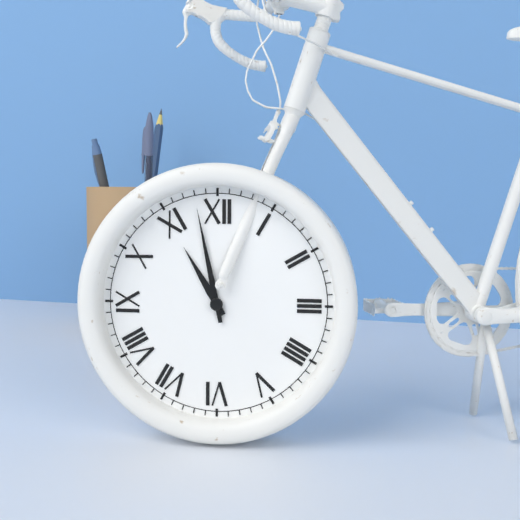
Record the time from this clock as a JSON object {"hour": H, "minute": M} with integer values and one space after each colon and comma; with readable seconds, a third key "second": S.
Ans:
{"hour": 10, "minute": 58}
